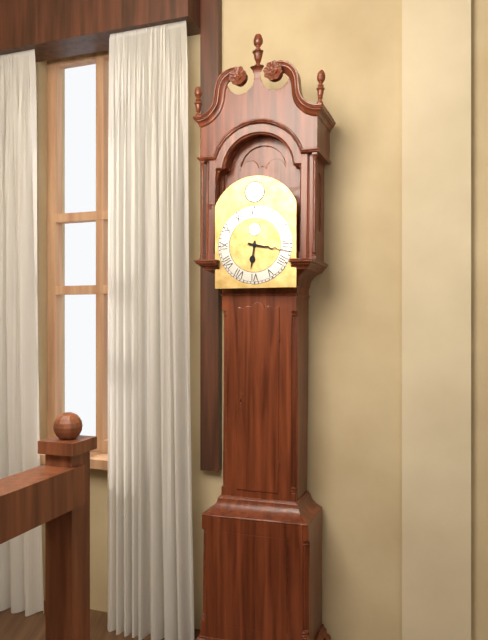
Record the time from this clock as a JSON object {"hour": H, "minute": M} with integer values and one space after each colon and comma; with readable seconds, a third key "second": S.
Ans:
{"hour": 6, "minute": 17}
